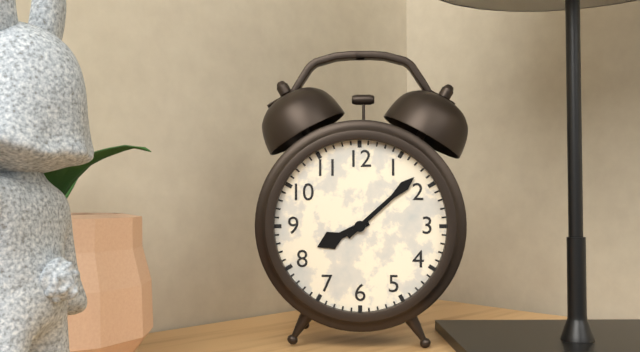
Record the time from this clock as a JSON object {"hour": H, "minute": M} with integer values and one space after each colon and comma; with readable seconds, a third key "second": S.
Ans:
{"hour": 8, "minute": 8}
